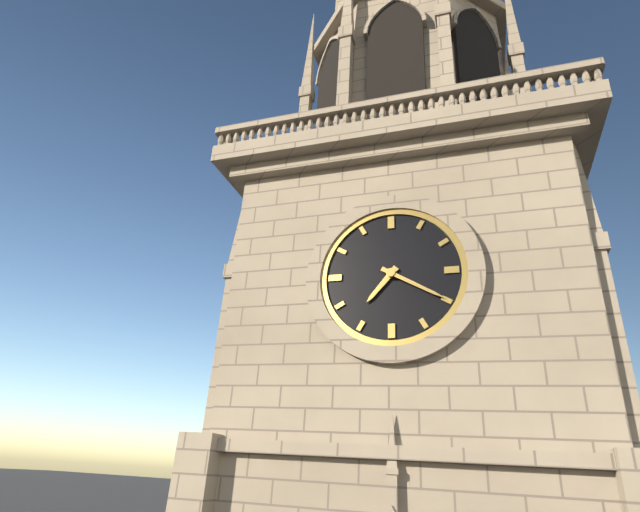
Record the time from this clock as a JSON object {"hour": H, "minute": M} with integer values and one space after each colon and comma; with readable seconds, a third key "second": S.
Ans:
{"hour": 7, "minute": 20}
